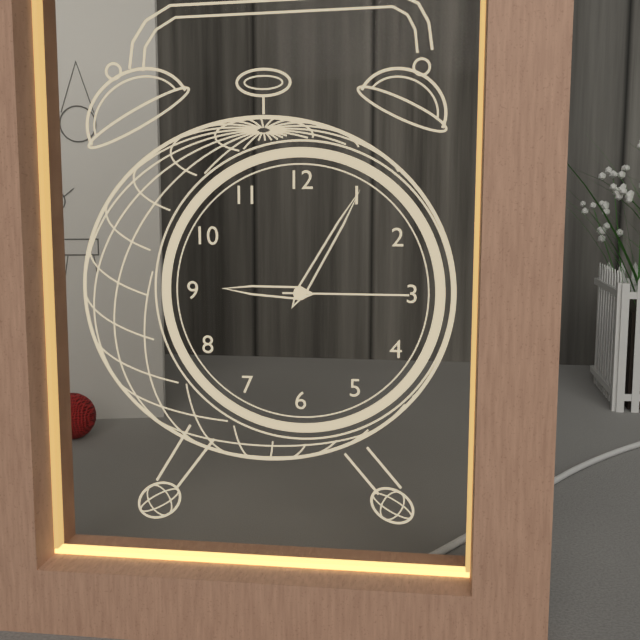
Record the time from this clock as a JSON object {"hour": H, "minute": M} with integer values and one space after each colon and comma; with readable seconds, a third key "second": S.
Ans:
{"hour": 9, "minute": 5, "second": 15}
